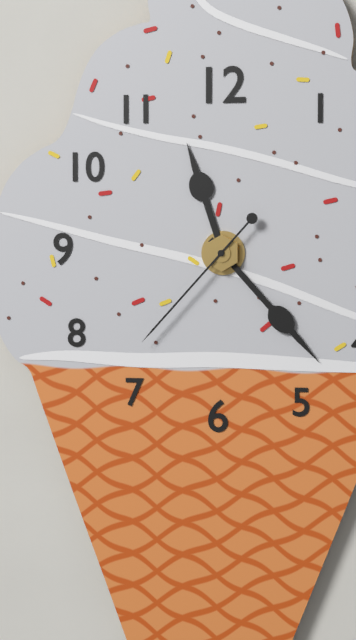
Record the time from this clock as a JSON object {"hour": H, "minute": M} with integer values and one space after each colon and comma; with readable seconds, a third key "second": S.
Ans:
{"hour": 11, "minute": 23, "second": 37}
